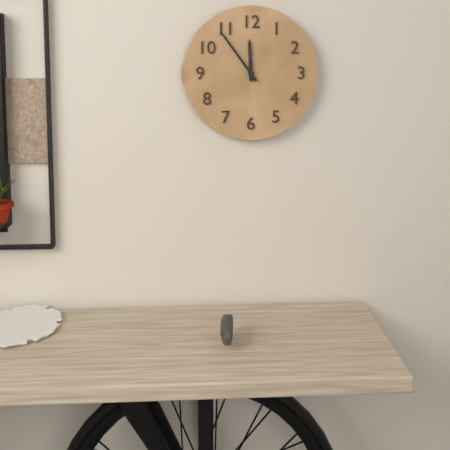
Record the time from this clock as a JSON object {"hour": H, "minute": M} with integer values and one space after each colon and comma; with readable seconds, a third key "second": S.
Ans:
{"hour": 11, "minute": 54}
